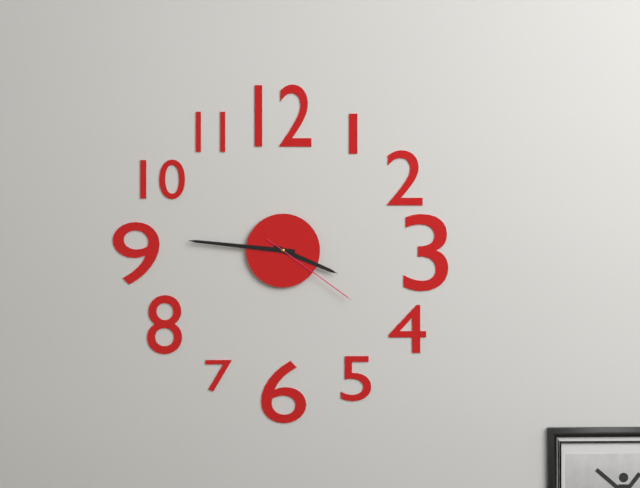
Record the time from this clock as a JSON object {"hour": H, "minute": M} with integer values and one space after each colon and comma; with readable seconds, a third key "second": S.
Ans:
{"hour": 3, "minute": 46, "second": 21}
